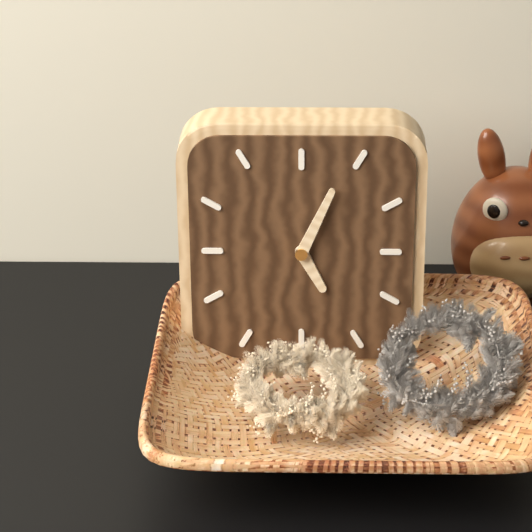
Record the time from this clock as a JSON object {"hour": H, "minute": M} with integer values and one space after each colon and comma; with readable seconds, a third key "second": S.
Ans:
{"hour": 5, "minute": 4}
